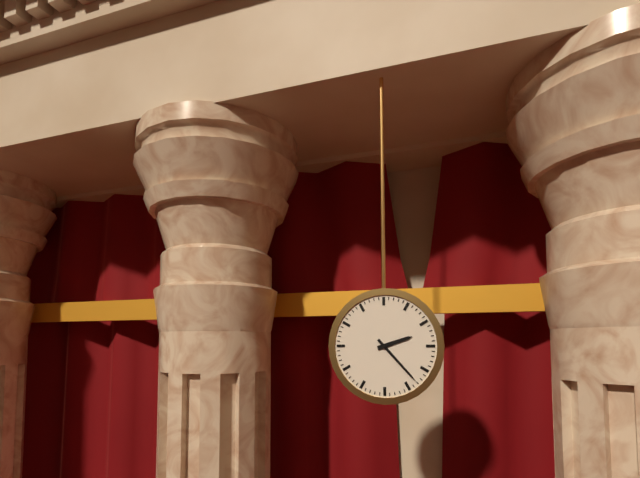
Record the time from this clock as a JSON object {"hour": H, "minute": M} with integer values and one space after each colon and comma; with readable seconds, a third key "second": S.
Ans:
{"hour": 2, "minute": 23}
